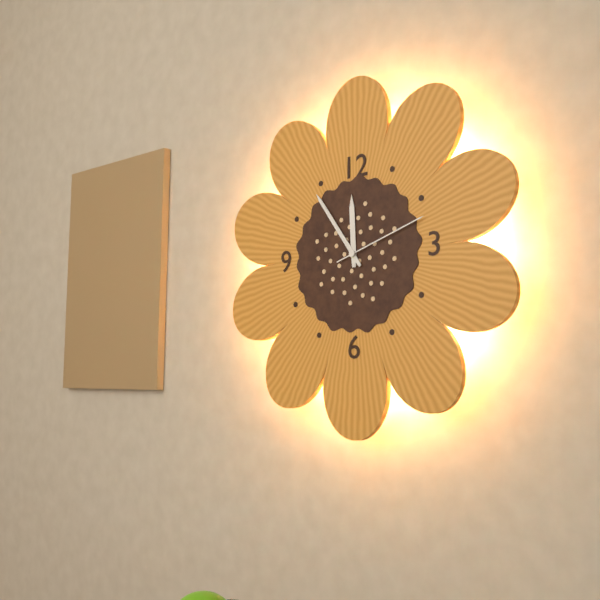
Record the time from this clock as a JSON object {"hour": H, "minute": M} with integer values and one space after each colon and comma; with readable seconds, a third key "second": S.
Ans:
{"hour": 11, "minute": 54, "second": 12}
